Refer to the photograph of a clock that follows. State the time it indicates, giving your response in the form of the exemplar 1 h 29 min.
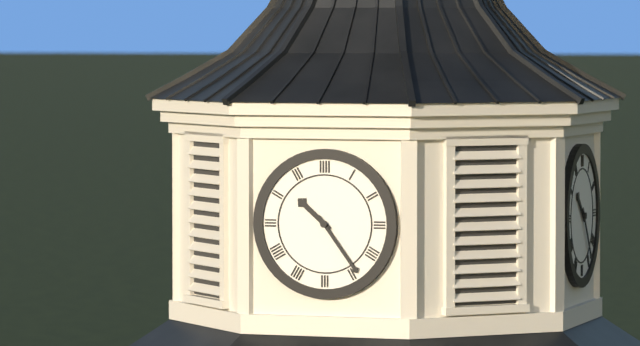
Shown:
10 h 24 min
